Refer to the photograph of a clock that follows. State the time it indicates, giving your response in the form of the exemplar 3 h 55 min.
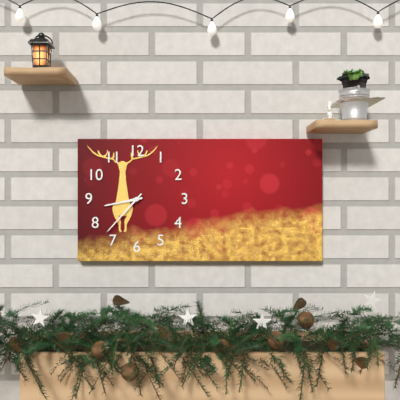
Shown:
8 h 37 min
